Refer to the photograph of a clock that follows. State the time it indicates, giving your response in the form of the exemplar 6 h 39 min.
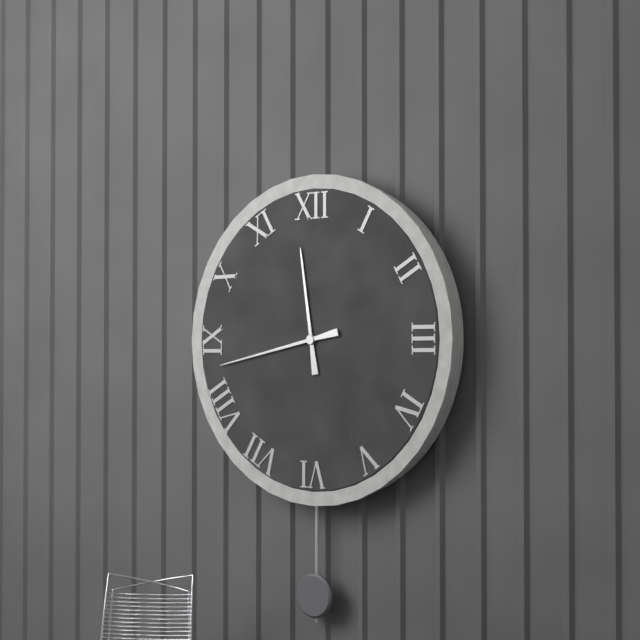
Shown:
11 h 43 min
